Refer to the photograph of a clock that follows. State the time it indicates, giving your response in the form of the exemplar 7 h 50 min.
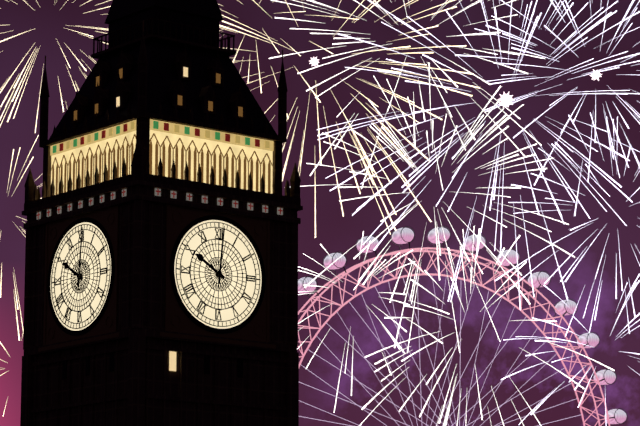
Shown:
10 h 01 min
